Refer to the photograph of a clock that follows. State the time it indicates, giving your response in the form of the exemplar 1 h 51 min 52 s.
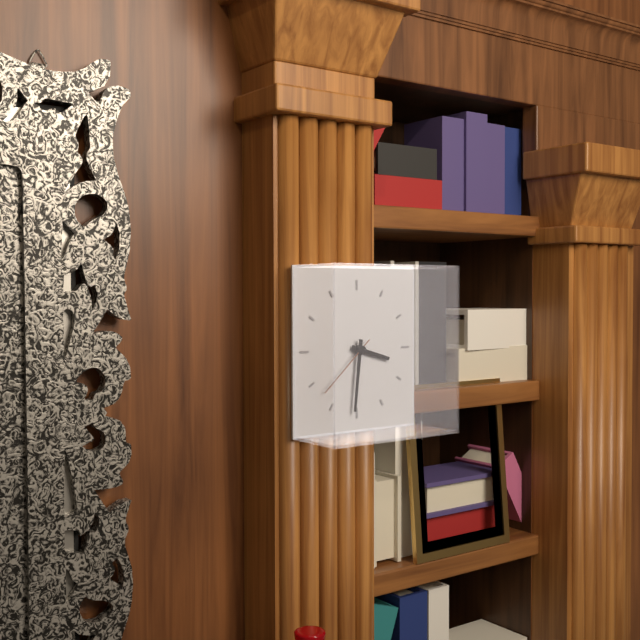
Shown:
3 h 31 min 38 s
